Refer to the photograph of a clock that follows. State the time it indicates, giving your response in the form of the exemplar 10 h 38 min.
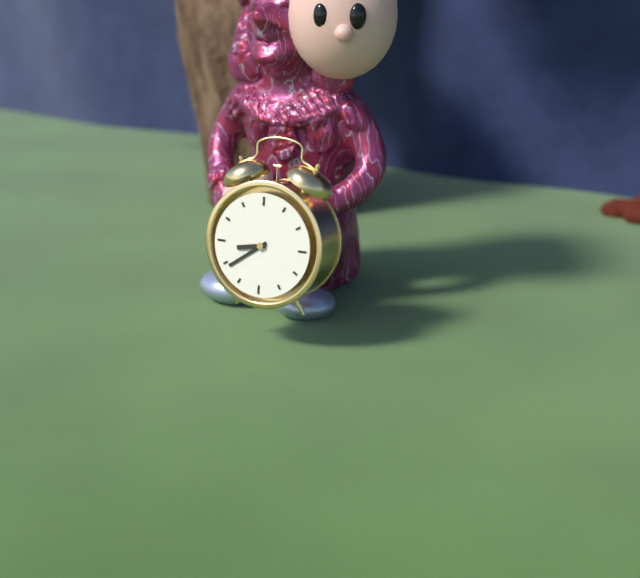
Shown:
8 h 39 min
